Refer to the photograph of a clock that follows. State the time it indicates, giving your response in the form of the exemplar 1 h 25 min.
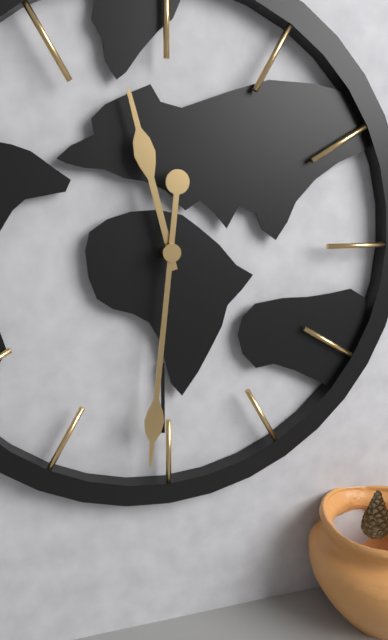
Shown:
11 h 31 min
